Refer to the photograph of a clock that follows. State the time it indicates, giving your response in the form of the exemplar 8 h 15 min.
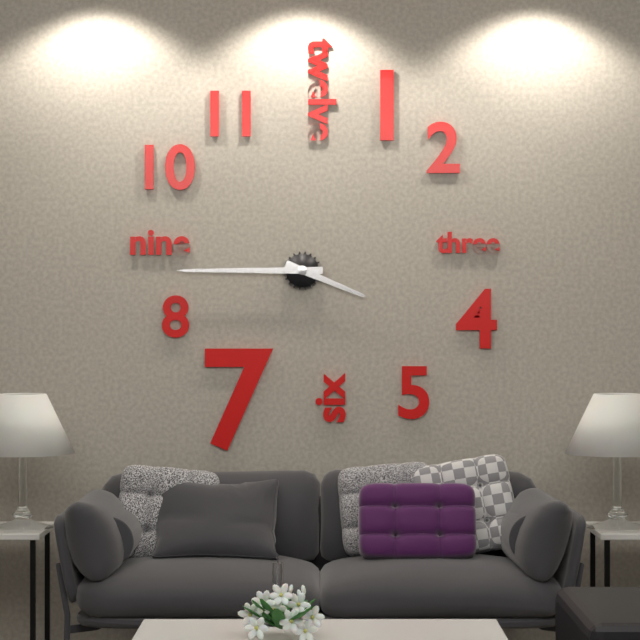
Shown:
3 h 45 min
